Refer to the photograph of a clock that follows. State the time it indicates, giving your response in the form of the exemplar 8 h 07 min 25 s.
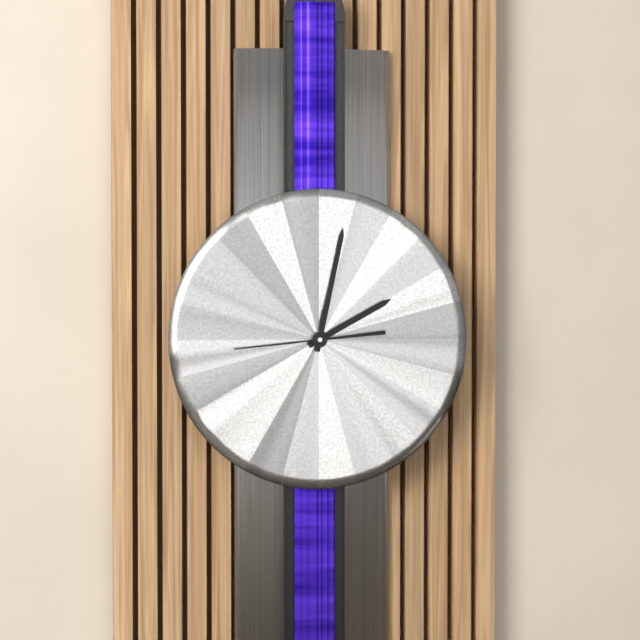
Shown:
2 h 02 min 44 s
